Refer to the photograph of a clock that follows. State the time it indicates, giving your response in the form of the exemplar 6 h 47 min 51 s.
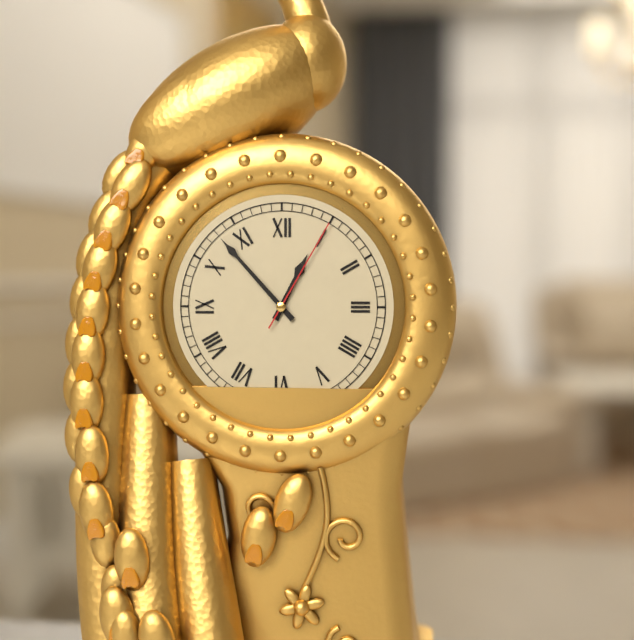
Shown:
12 h 53 min 05 s
